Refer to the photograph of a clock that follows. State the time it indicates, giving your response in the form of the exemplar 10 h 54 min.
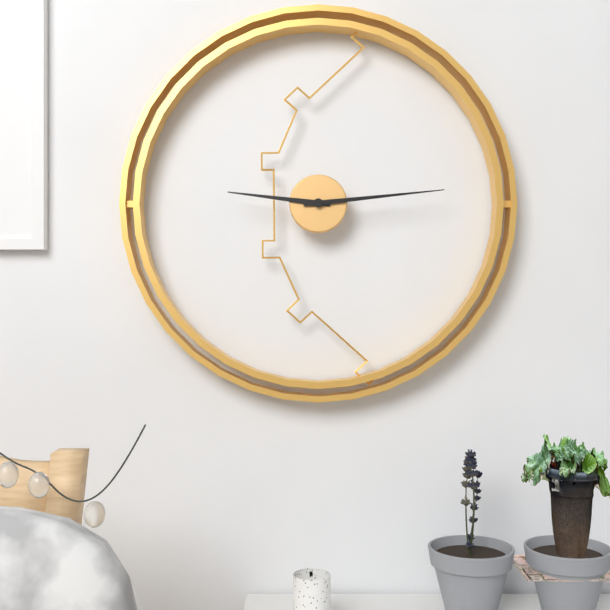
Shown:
9 h 14 min
